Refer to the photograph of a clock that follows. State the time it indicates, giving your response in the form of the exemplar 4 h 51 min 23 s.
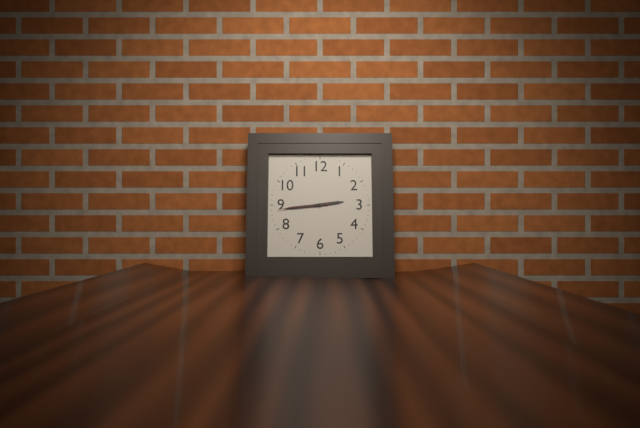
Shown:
2 h 44 min 44 s
